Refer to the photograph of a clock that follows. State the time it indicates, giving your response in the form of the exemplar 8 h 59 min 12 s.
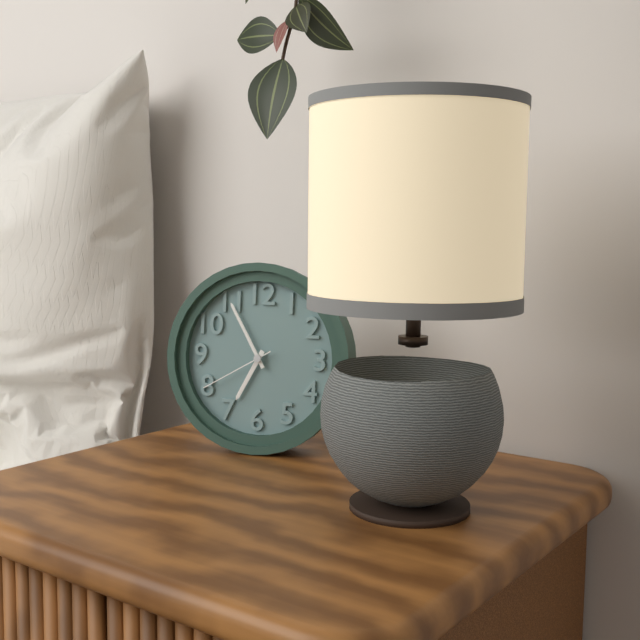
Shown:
6 h 55 min 40 s
